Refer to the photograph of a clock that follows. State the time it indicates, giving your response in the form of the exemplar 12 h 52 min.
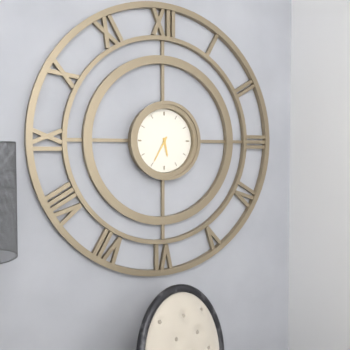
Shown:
5 h 35 min
